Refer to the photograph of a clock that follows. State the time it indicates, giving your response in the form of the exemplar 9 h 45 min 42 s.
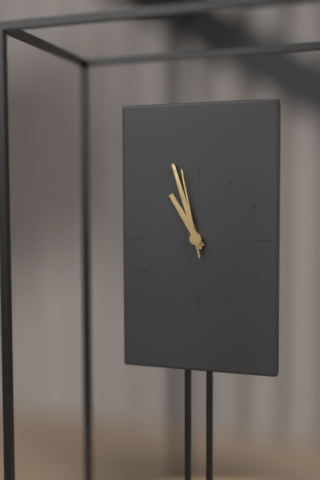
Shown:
10 h 57 min 58 s
